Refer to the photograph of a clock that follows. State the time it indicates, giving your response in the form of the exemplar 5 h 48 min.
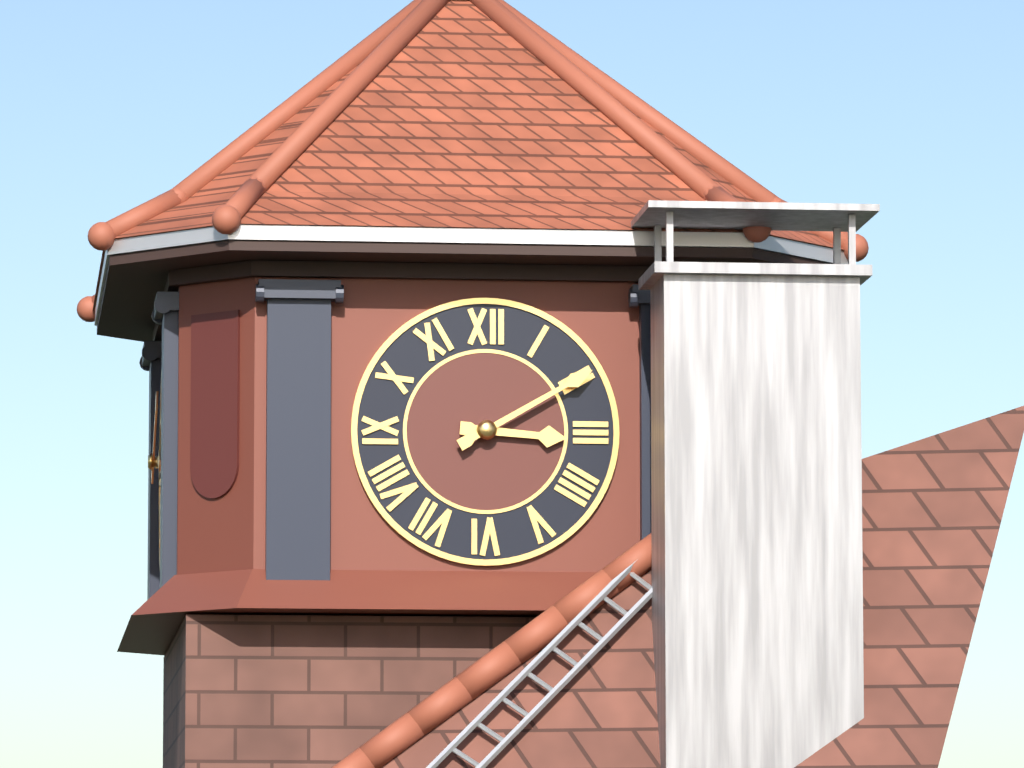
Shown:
3 h 10 min
